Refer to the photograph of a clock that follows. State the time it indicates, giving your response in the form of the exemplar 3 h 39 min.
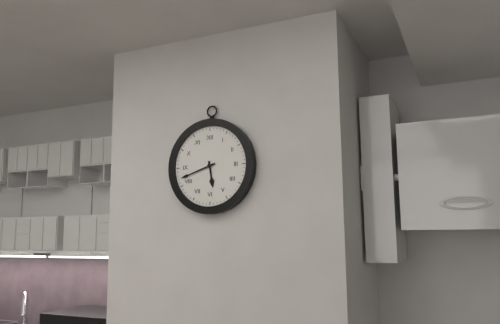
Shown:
5 h 42 min
